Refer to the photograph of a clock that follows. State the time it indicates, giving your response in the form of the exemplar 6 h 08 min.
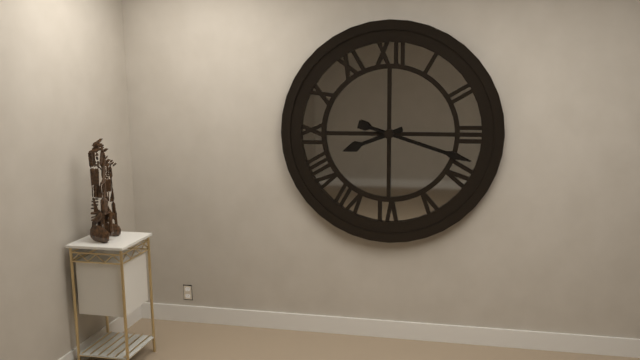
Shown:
8 h 18 min
